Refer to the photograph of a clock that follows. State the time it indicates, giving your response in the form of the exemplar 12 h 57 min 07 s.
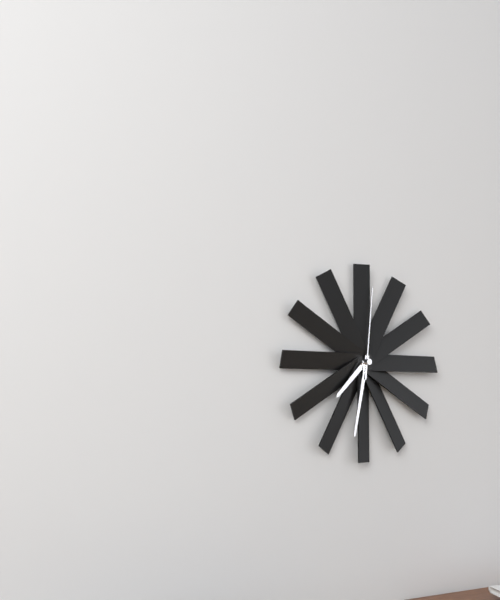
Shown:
7 h 32 min 01 s
